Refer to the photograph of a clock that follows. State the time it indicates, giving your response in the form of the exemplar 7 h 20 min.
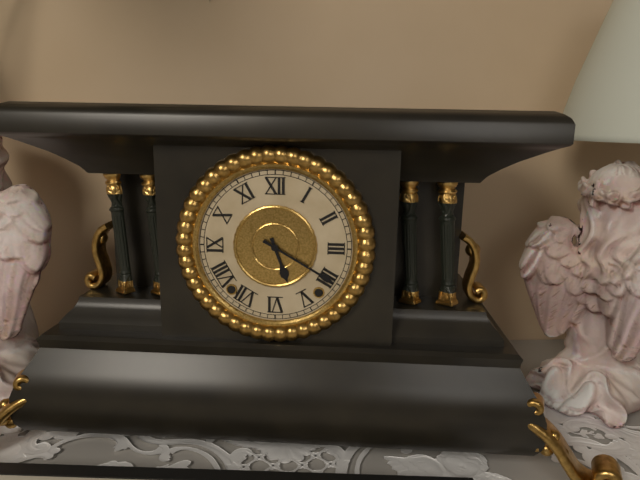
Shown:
5 h 20 min
